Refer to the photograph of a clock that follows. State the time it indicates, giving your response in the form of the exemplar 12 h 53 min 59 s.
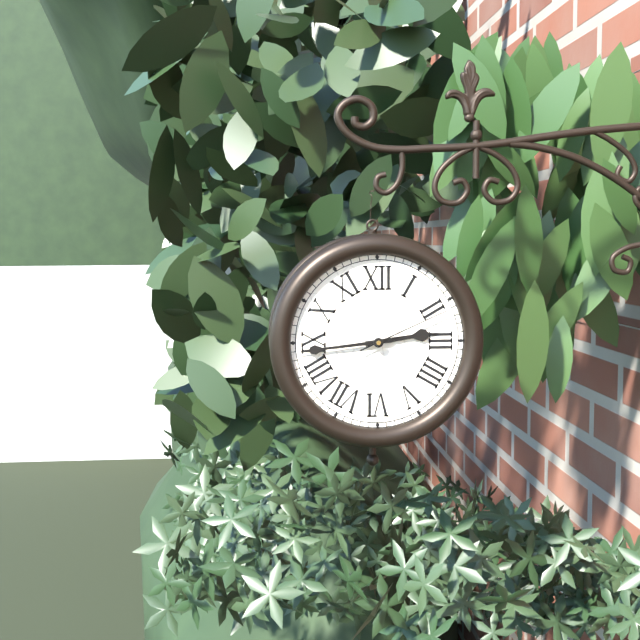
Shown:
2 h 44 min 11 s
